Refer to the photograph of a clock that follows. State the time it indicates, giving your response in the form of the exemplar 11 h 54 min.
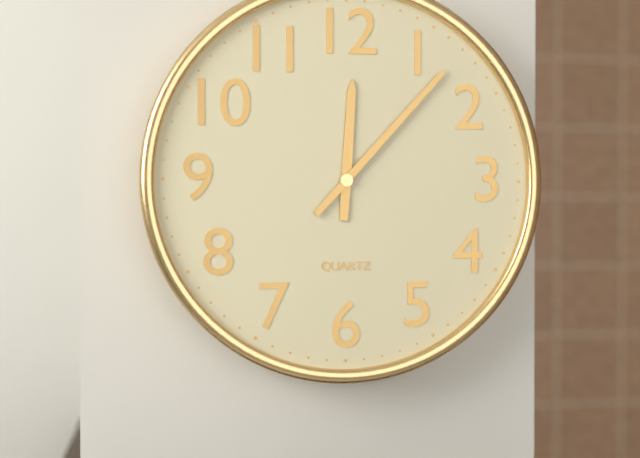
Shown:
12 h 07 min
